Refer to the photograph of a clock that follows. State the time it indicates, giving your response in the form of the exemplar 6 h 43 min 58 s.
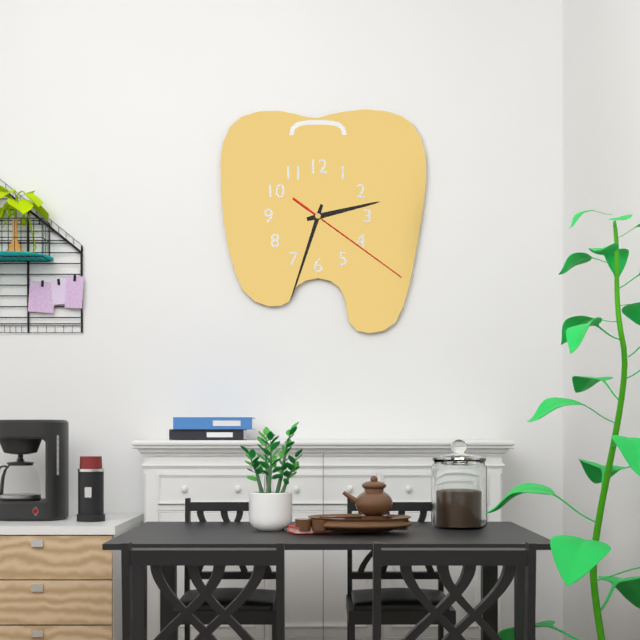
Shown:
2 h 33 min 21 s
